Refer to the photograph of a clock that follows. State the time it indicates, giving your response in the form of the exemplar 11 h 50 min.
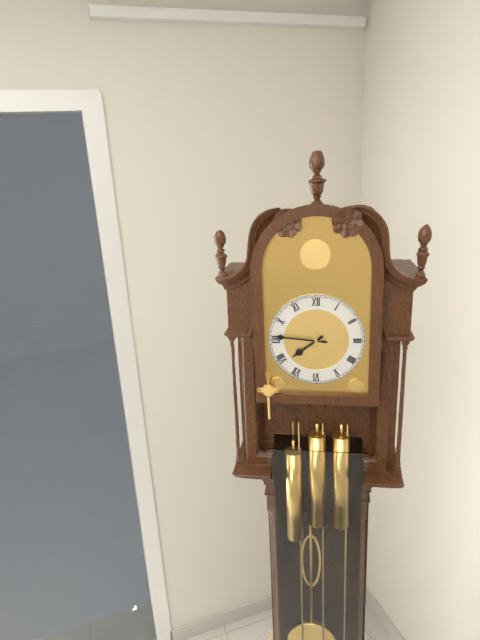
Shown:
7 h 46 min
